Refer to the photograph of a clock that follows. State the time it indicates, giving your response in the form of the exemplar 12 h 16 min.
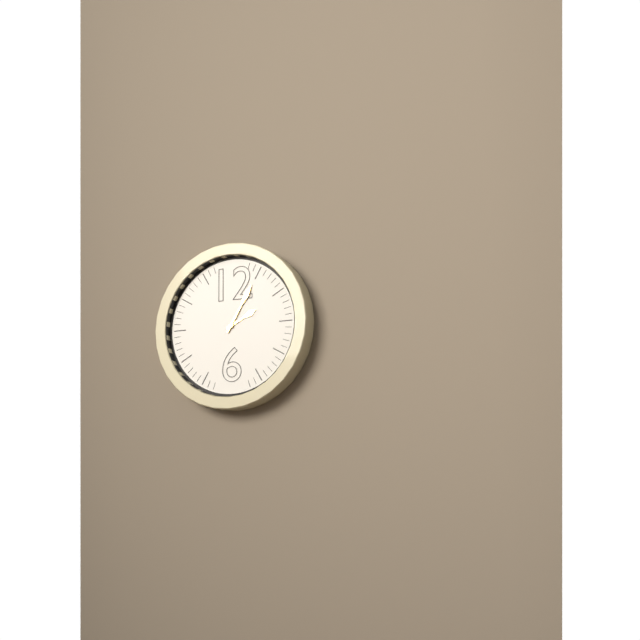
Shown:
2 h 05 min
